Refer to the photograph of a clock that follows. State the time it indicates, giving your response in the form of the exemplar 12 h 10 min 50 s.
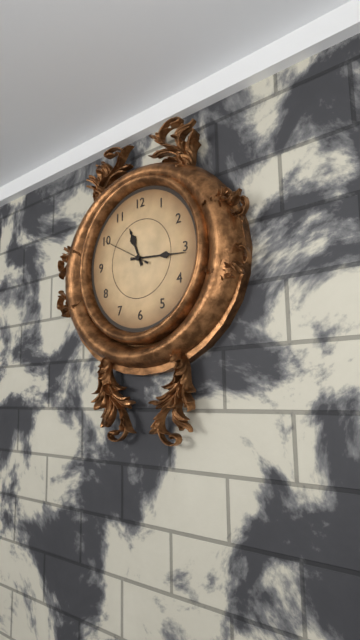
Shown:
11 h 16 min 50 s
